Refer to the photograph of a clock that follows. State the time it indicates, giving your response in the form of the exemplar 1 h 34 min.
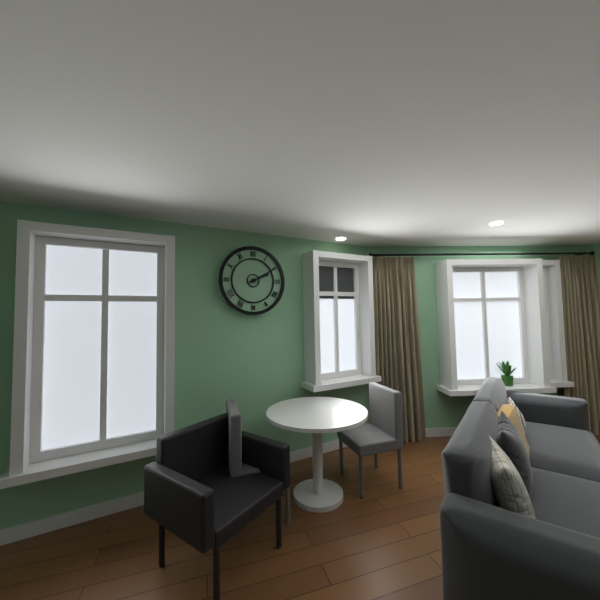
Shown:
2 h 10 min
